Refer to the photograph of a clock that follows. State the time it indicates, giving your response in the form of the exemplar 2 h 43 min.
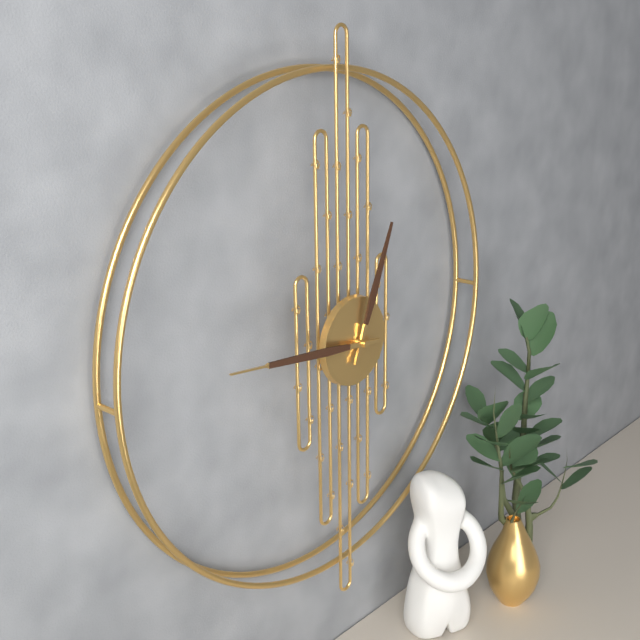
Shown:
12 h 46 min
